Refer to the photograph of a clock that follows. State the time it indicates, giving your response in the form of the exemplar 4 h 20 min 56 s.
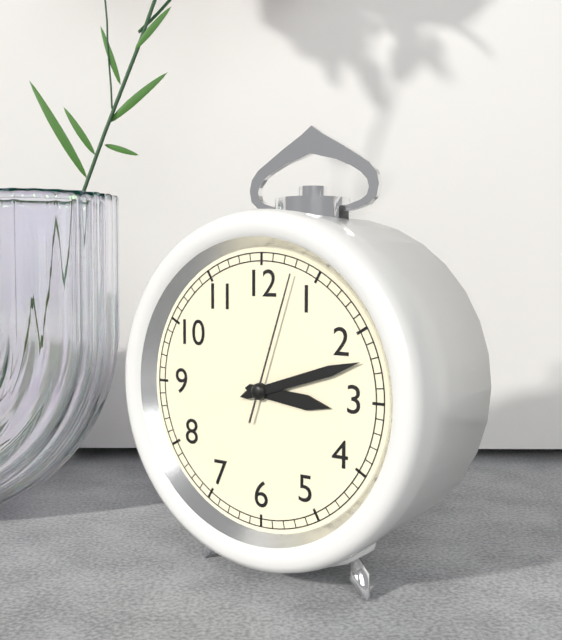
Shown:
3 h 12 min 03 s
